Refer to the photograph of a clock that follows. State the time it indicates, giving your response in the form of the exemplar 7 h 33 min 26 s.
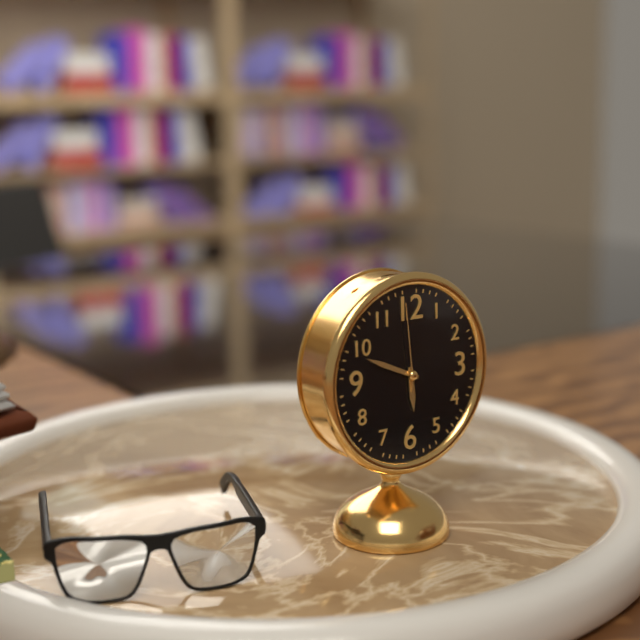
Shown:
5 h 49 min 59 s
